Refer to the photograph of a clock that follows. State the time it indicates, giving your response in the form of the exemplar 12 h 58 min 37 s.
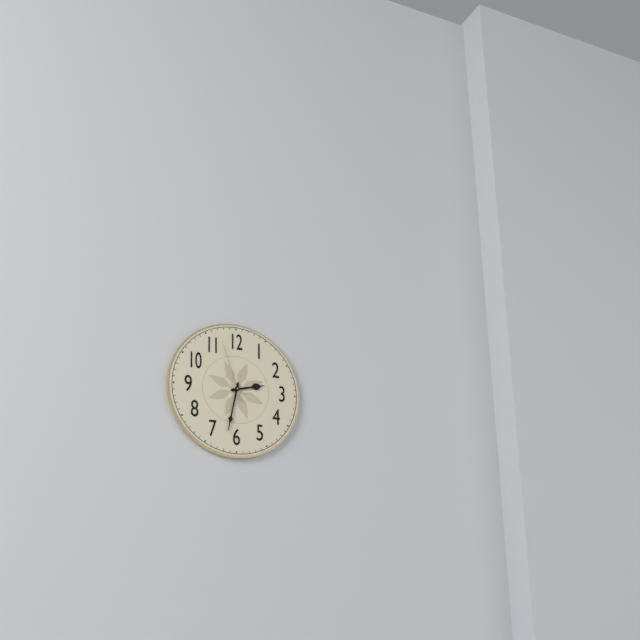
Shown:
2 h 32 min 57 s
